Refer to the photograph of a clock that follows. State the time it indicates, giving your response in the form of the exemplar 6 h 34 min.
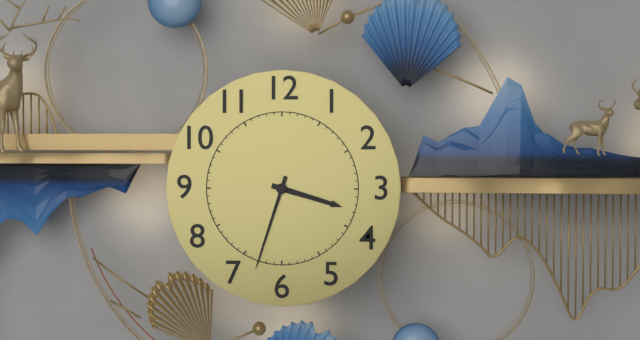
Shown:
3 h 33 min
